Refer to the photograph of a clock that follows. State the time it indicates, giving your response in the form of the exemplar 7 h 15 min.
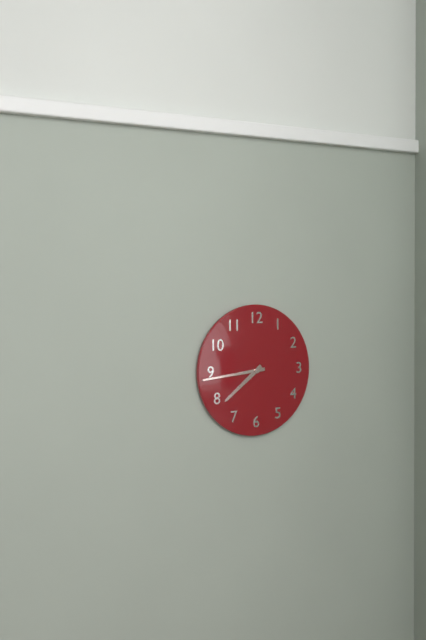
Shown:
7 h 44 min
